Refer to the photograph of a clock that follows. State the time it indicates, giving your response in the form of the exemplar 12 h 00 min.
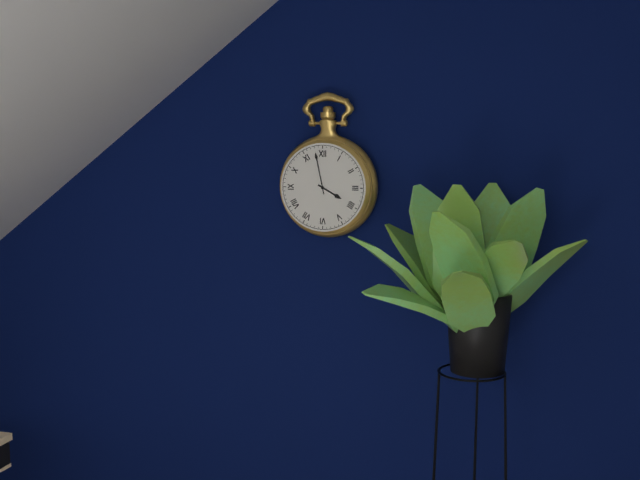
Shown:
3 h 58 min
